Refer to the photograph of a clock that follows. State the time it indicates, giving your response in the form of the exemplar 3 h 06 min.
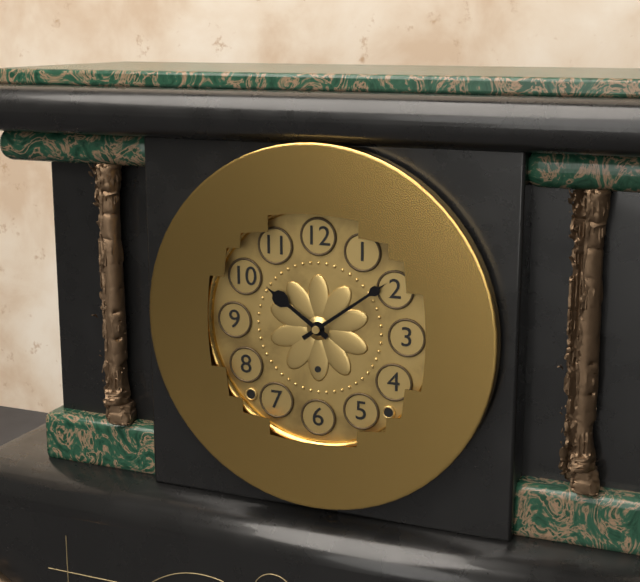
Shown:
10 h 09 min
